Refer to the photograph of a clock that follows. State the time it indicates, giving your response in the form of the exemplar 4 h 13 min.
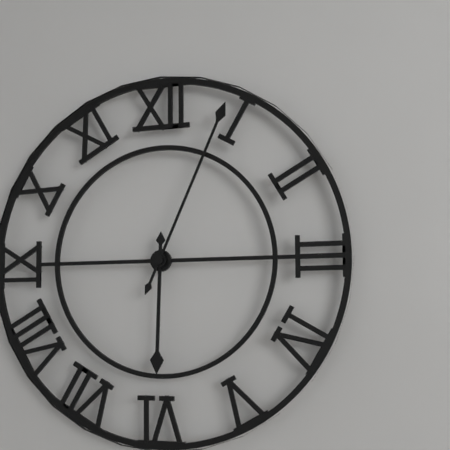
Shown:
6 h 04 min
